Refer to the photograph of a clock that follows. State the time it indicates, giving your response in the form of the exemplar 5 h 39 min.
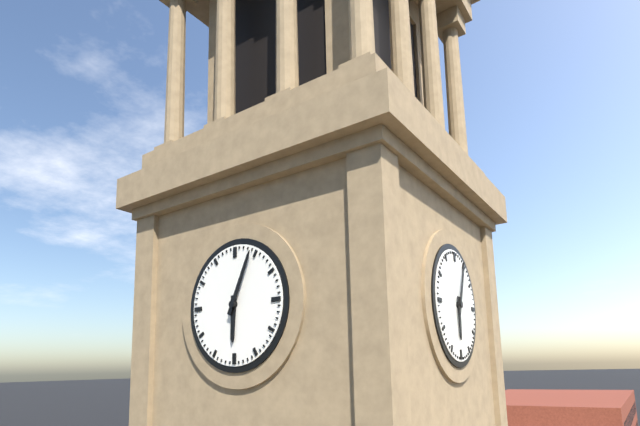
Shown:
6 h 04 min
